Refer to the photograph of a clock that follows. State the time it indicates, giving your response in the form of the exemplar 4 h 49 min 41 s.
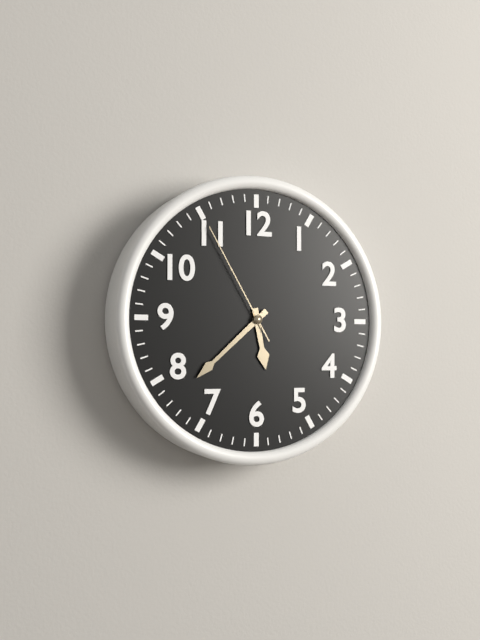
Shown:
5 h 38 min 55 s
